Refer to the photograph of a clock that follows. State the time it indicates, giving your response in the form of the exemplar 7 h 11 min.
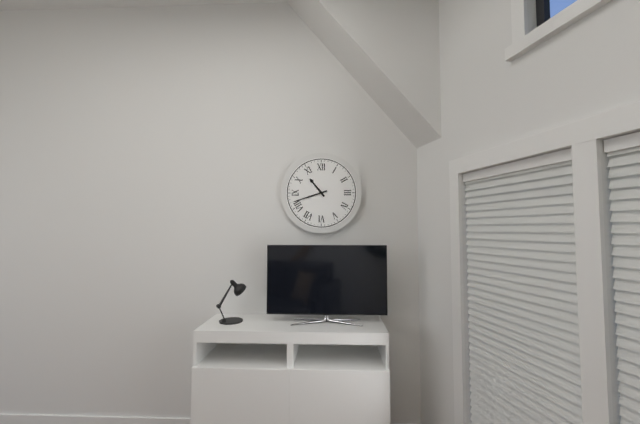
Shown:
10 h 42 min
